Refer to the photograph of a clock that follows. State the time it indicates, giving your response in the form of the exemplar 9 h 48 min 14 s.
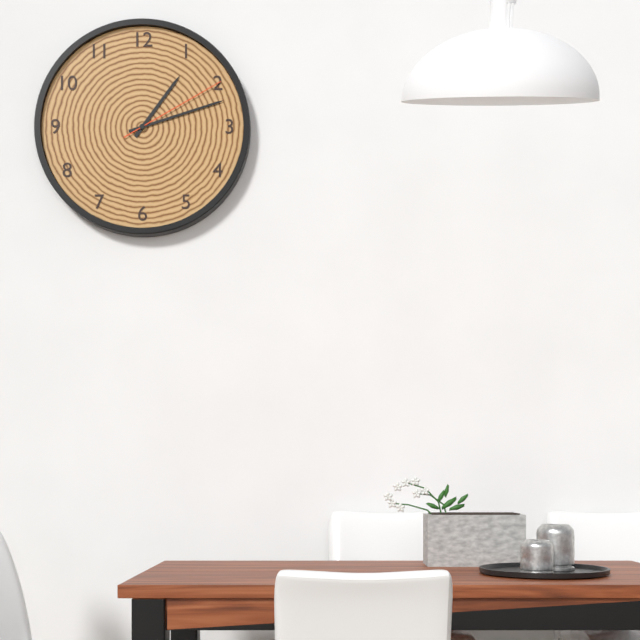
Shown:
1 h 12 min 10 s
